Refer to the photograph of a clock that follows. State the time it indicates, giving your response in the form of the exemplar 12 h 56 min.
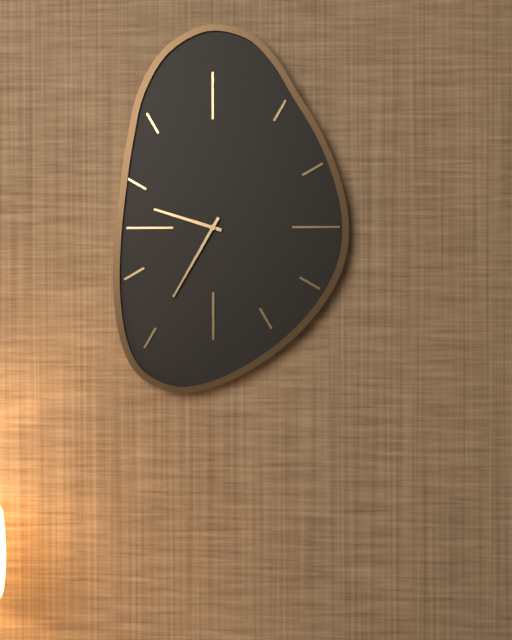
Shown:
9 h 35 min
